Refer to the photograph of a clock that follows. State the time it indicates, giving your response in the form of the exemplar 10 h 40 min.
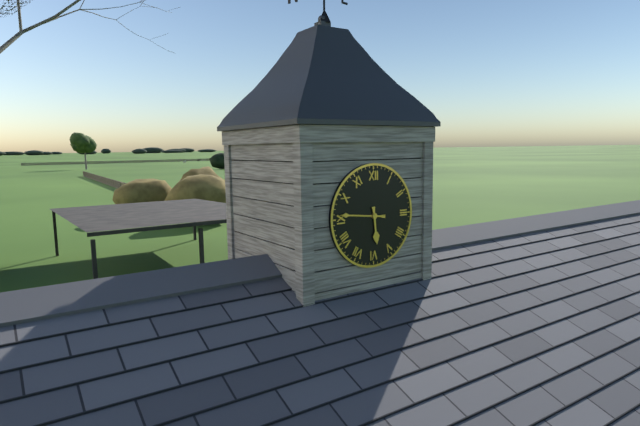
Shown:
5 h 46 min
